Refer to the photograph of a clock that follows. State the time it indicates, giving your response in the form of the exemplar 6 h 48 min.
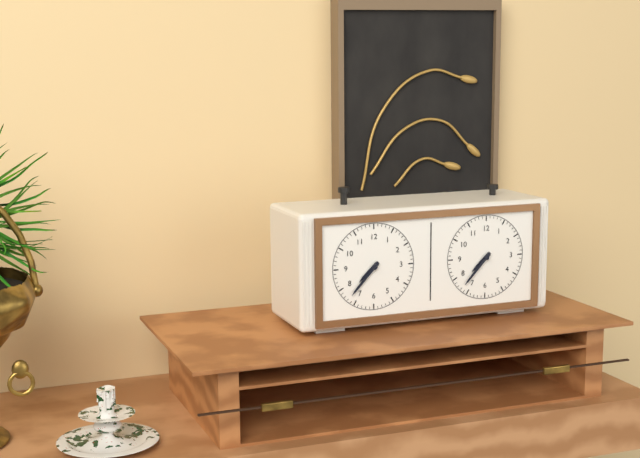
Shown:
7 h 37 min
